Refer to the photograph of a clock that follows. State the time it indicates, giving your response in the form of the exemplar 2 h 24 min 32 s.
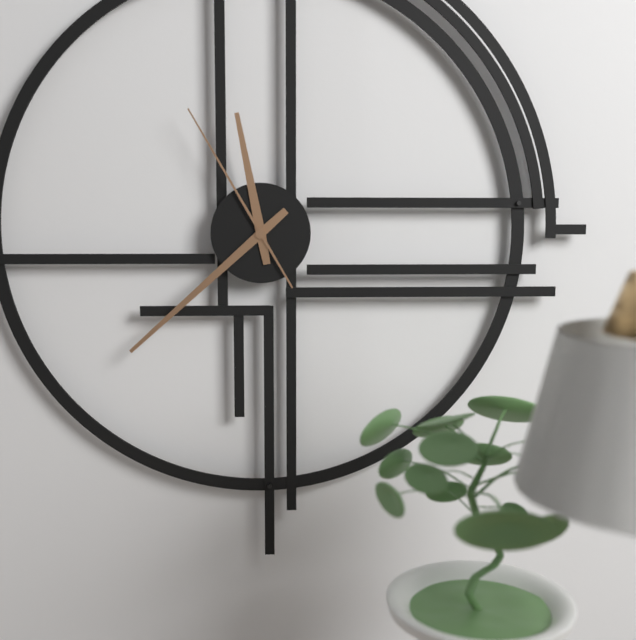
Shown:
11 h 38 min 55 s
